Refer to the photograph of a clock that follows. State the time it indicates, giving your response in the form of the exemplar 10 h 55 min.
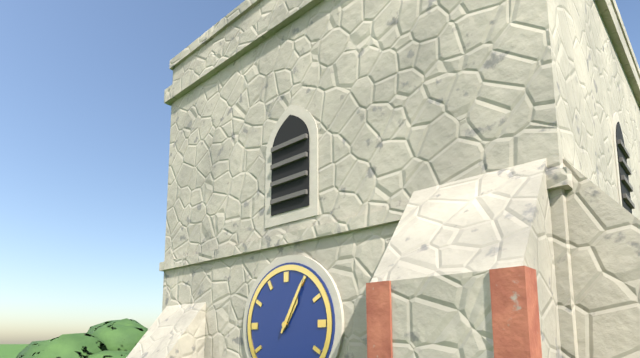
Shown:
1 h 05 min
